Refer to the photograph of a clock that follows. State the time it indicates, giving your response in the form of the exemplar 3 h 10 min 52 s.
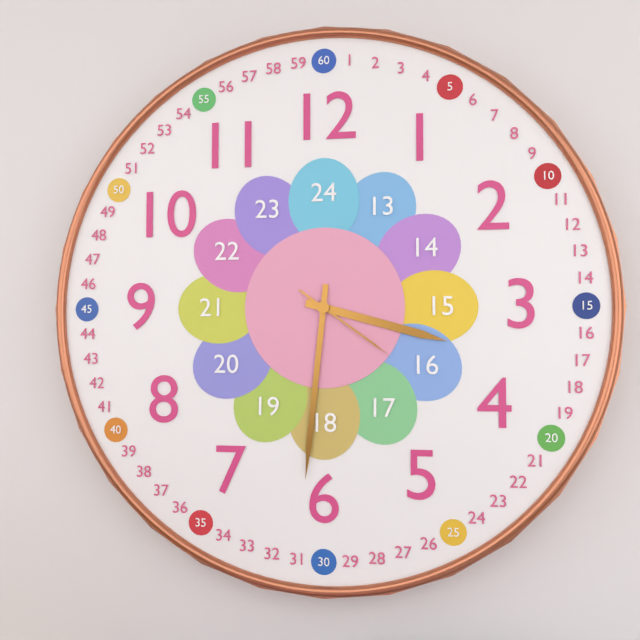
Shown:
3 h 31 min 21 s
